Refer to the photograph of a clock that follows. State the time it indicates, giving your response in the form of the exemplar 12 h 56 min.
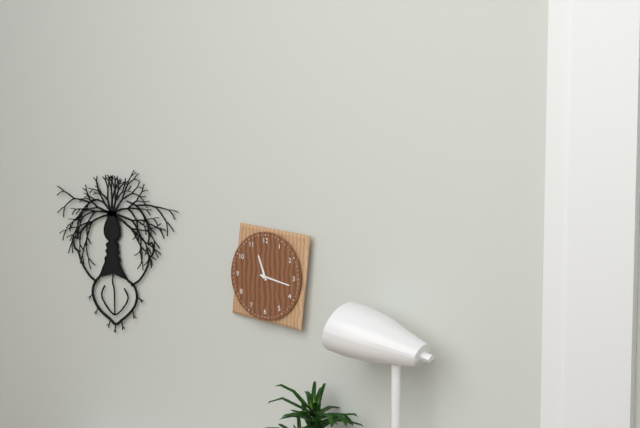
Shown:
11 h 17 min
